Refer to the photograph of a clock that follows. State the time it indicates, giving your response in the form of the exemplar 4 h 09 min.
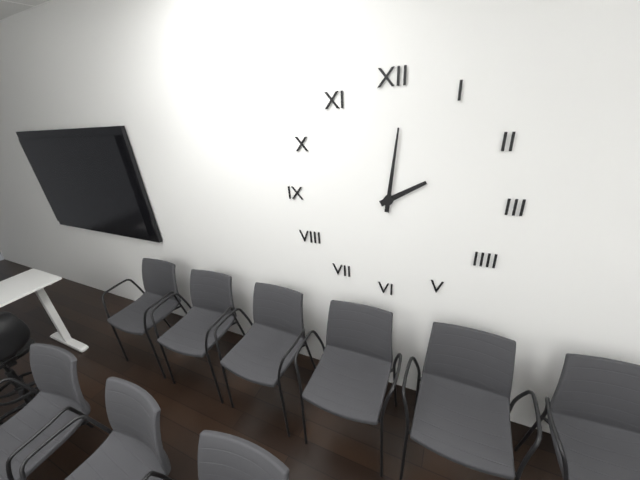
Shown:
2 h 01 min
